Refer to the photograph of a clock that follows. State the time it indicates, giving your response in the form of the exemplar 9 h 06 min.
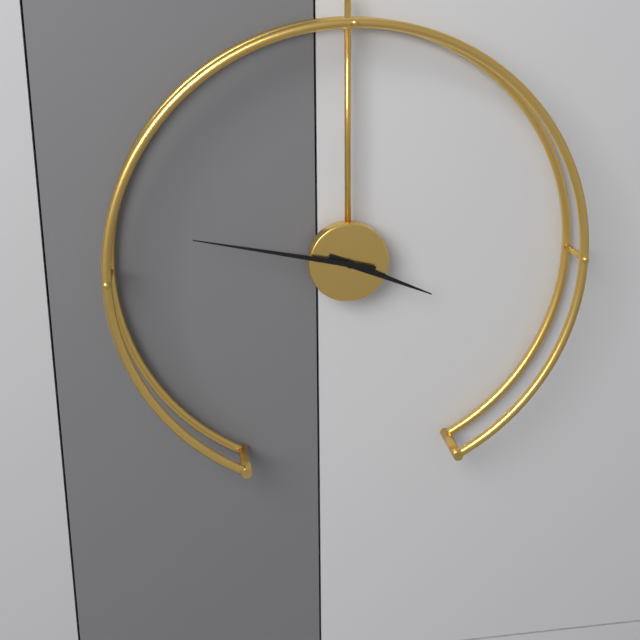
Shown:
3 h 47 min
